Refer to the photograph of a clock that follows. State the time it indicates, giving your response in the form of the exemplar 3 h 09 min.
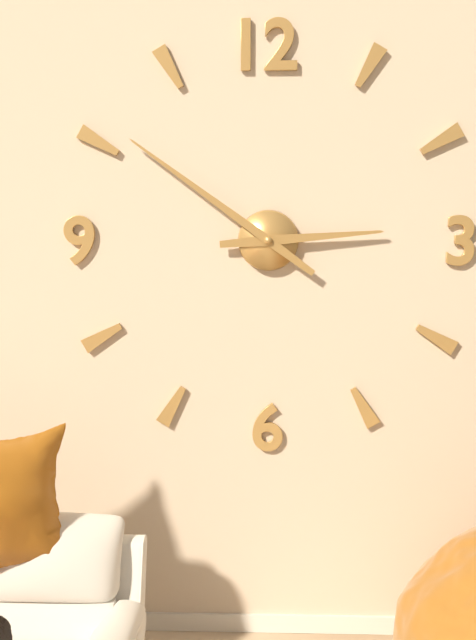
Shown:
2 h 51 min
